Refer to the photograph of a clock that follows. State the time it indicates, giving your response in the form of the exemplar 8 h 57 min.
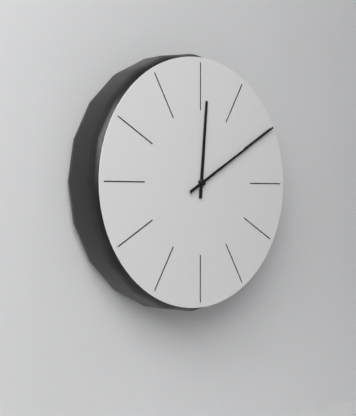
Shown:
12 h 10 min
